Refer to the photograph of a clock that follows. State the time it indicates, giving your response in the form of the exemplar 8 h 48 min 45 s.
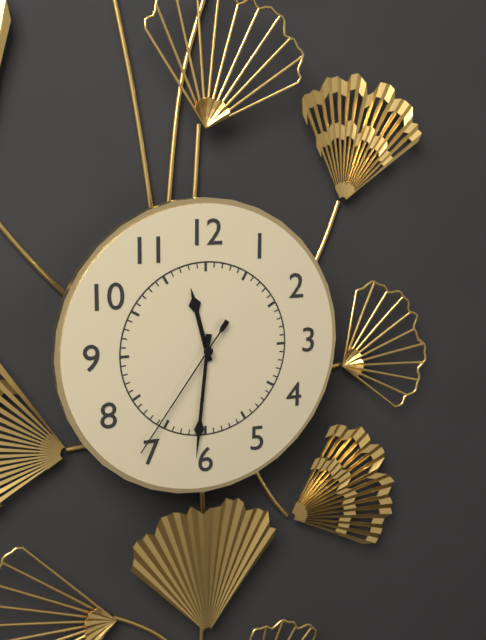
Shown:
11 h 31 min 36 s
